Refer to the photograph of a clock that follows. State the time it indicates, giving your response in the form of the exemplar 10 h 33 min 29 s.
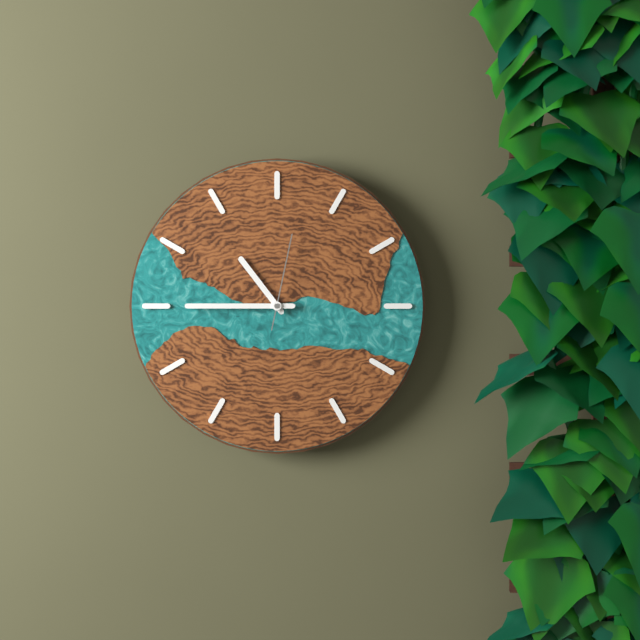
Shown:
10 h 45 min 02 s
